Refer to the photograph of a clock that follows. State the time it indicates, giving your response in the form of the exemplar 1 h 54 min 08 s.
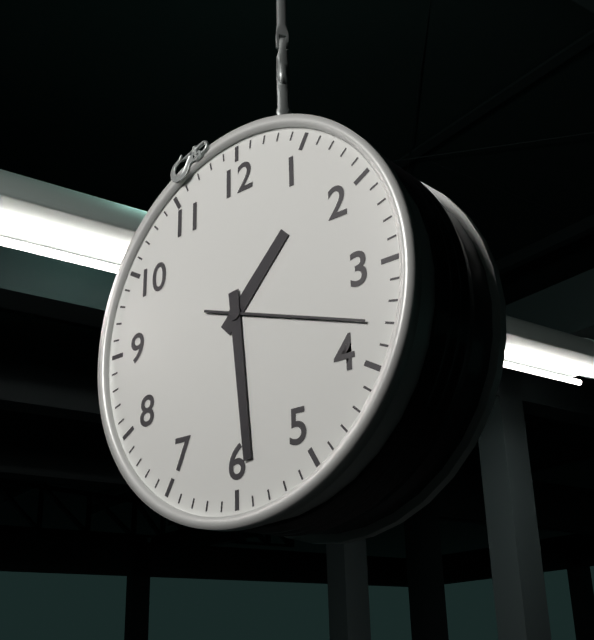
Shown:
1 h 29 min 18 s
